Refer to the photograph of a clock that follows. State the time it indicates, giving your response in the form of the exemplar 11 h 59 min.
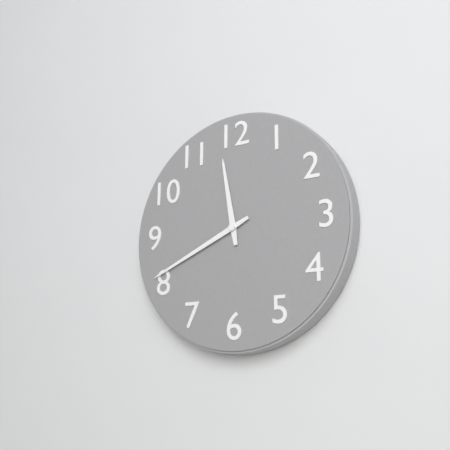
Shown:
11 h 41 min
